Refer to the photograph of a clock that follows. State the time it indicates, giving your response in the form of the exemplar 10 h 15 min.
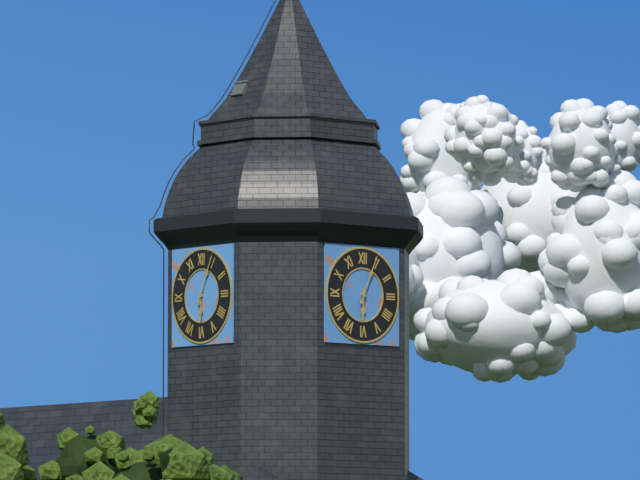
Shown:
6 h 04 min
